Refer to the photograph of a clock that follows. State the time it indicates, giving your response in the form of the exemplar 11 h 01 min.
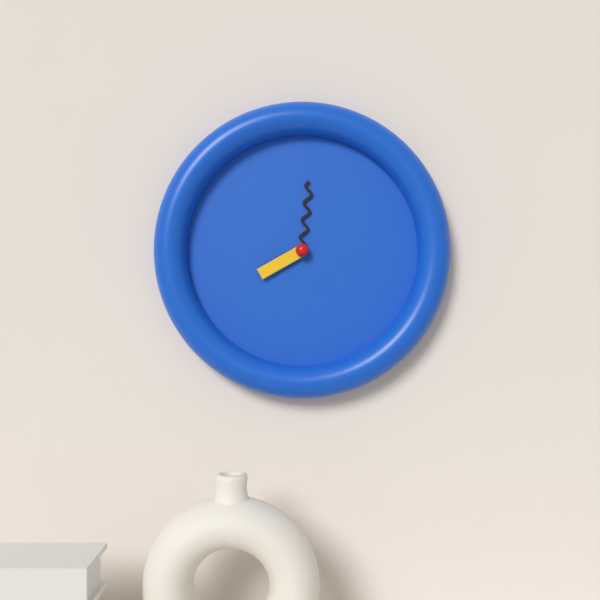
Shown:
8 h 01 min
